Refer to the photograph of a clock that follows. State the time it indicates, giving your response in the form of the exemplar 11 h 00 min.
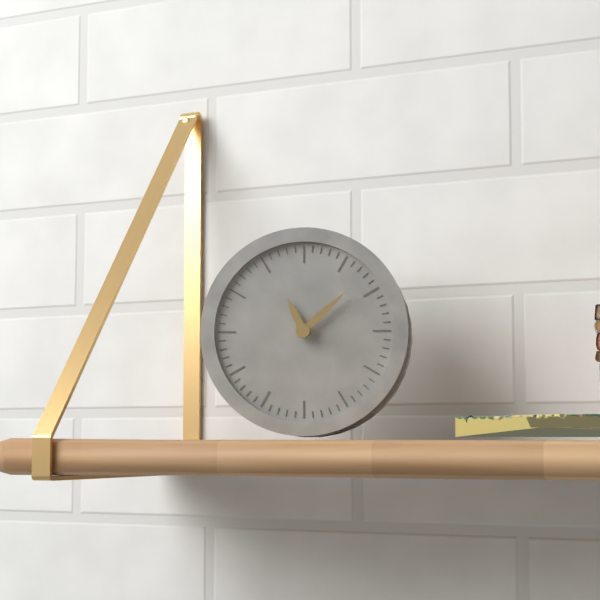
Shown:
11 h 08 min
